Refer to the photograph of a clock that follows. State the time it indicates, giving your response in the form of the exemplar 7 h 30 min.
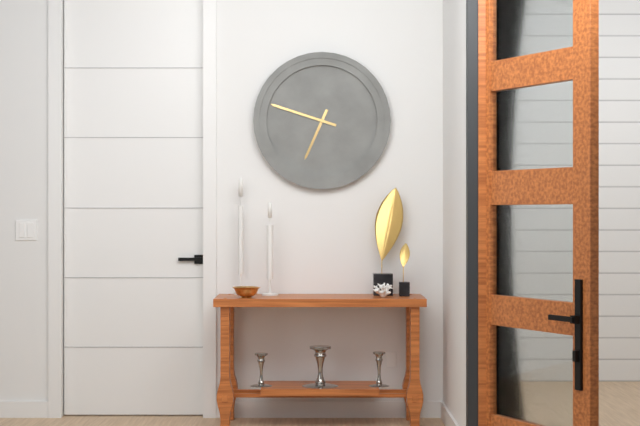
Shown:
6 h 48 min
